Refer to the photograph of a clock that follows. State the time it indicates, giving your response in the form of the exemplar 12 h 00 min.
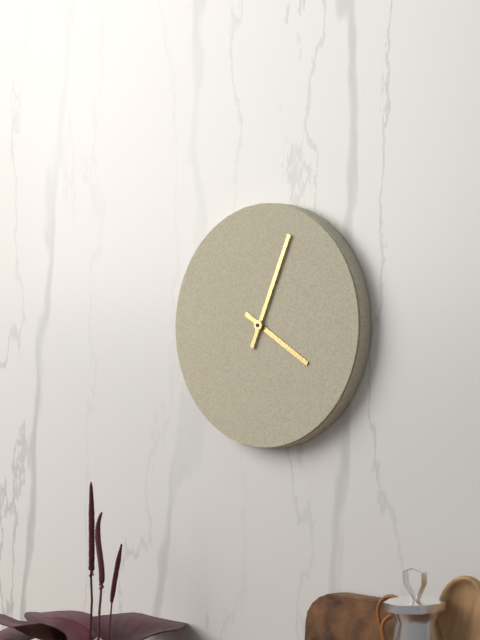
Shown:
4 h 04 min
